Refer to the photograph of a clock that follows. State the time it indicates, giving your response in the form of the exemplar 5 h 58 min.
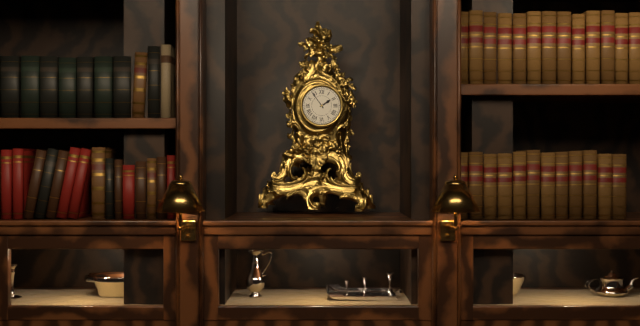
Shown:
1 h 54 min
